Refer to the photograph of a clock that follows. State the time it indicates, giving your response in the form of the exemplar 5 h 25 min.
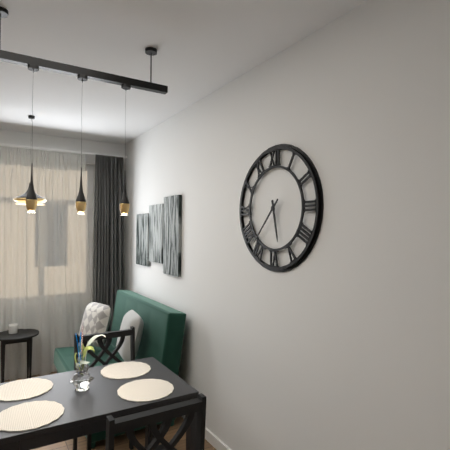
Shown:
5 h 37 min
